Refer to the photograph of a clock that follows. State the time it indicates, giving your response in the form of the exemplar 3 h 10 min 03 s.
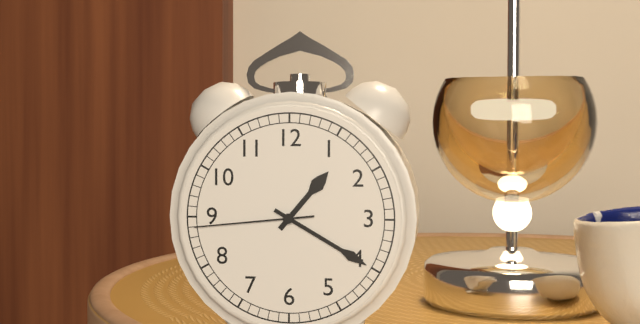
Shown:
1 h 20 min 44 s
